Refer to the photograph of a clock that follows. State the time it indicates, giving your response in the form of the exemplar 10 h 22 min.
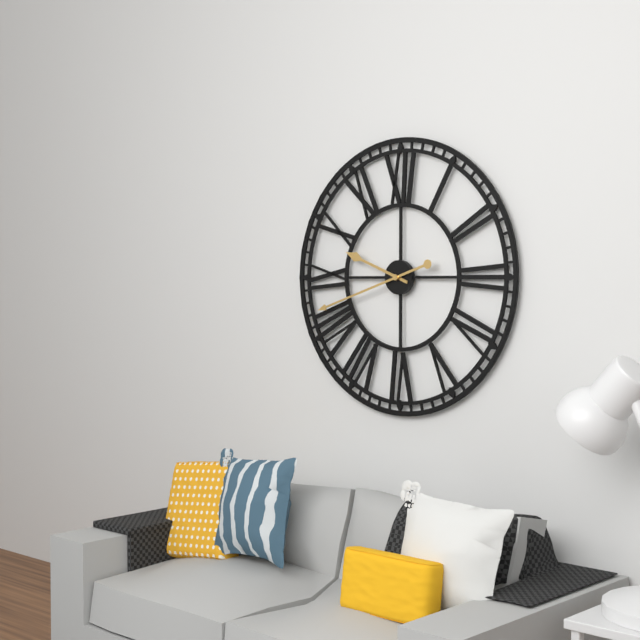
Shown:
9 h 42 min
